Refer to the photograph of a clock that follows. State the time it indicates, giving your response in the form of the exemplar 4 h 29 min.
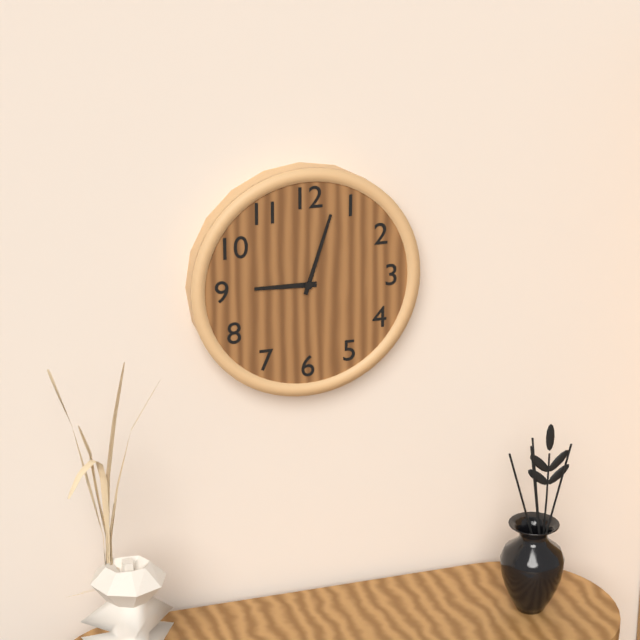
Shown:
9 h 03 min
